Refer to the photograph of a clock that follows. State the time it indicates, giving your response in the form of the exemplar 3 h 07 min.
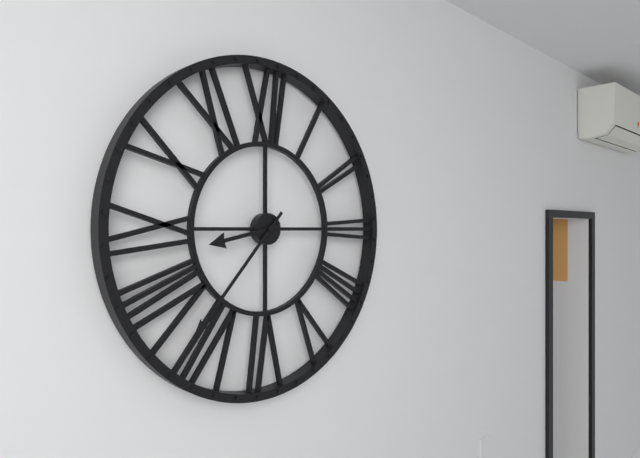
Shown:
8 h 37 min
